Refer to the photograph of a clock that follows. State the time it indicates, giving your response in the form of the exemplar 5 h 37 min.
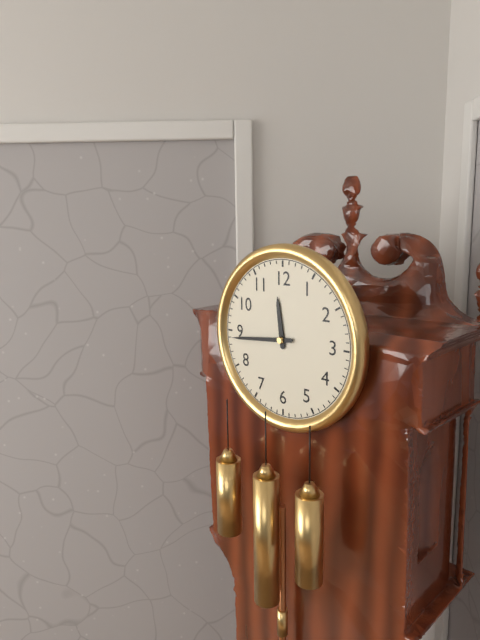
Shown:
11 h 44 min
